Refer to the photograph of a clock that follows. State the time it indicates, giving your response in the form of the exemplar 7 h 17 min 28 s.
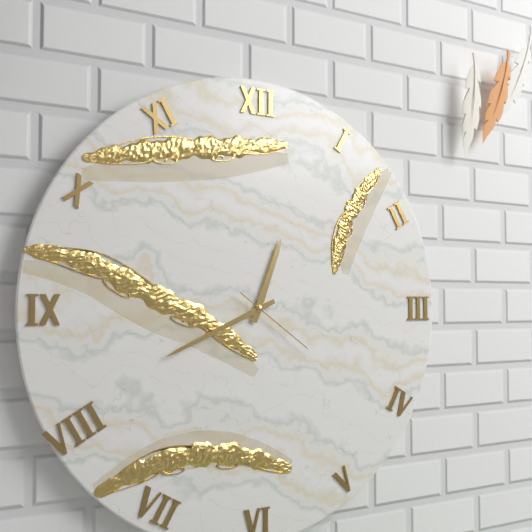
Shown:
12 h 41 min 21 s
